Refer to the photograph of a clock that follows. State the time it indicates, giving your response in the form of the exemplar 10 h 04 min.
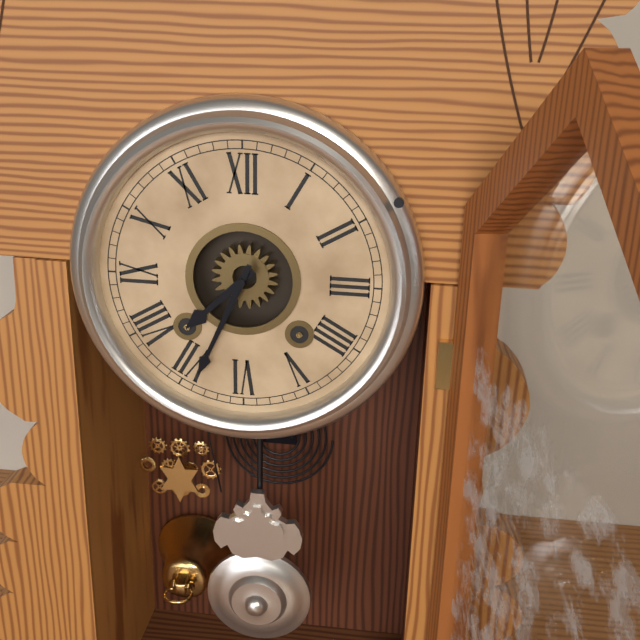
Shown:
7 h 34 min
